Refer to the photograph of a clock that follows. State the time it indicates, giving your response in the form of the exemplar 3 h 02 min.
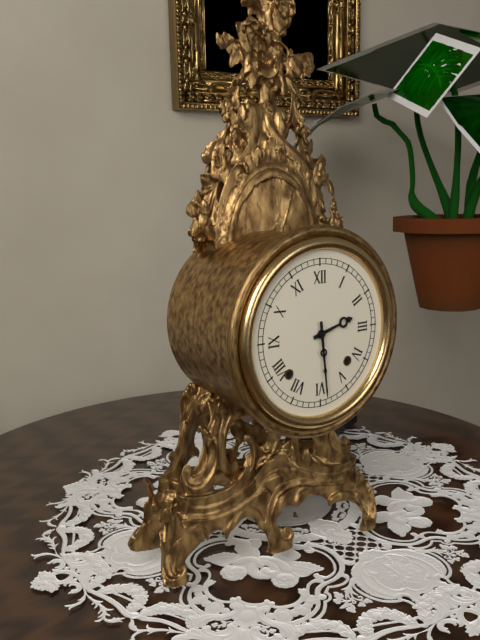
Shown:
2 h 29 min
